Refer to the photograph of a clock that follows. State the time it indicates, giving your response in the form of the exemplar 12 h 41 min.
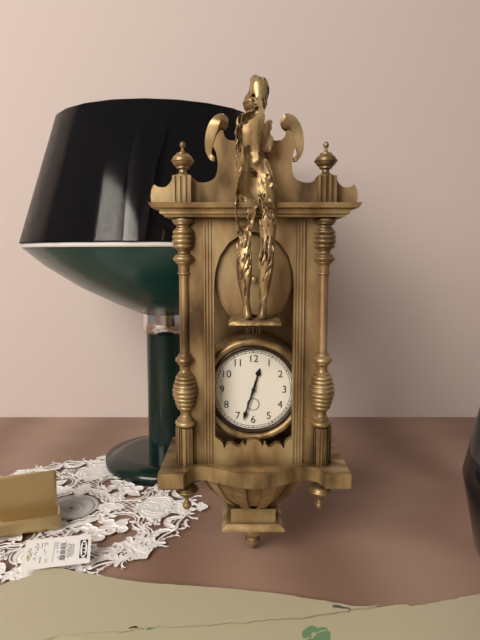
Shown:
12 h 33 min
